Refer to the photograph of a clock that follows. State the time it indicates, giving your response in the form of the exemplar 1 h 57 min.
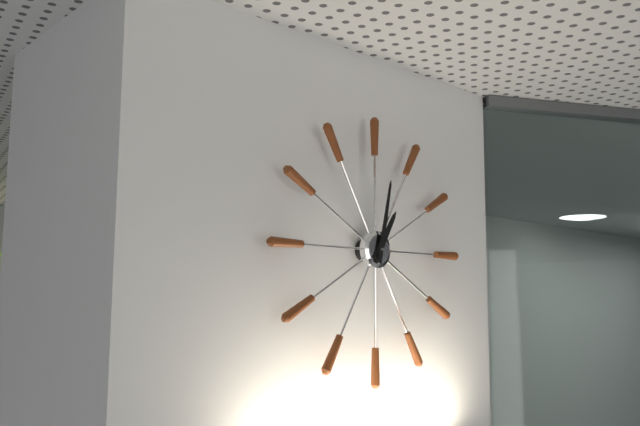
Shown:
1 h 02 min
